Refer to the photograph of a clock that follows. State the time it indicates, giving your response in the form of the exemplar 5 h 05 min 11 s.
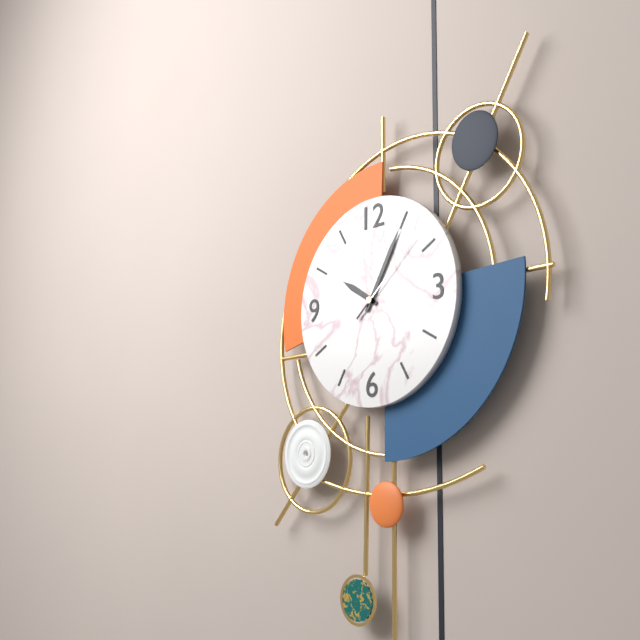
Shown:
10 h 05 min 08 s
